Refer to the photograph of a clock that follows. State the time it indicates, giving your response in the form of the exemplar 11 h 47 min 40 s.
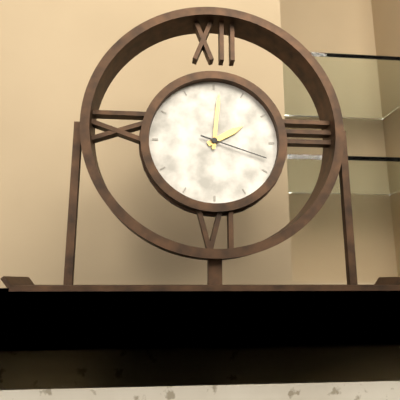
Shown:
2 h 01 min 18 s
